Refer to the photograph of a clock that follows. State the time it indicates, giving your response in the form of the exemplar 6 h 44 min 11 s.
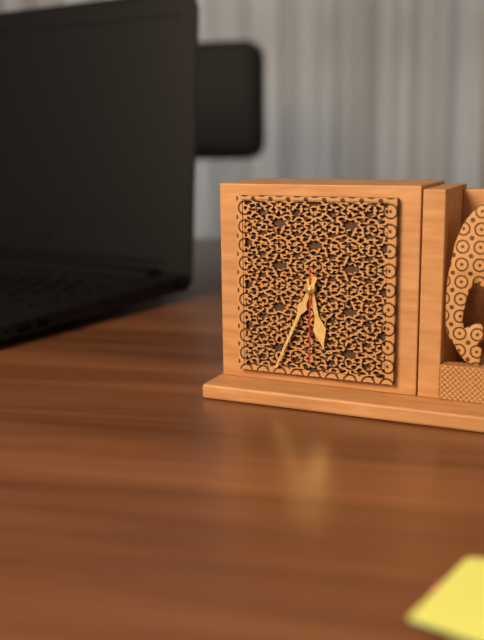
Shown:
5 h 34 min 30 s
